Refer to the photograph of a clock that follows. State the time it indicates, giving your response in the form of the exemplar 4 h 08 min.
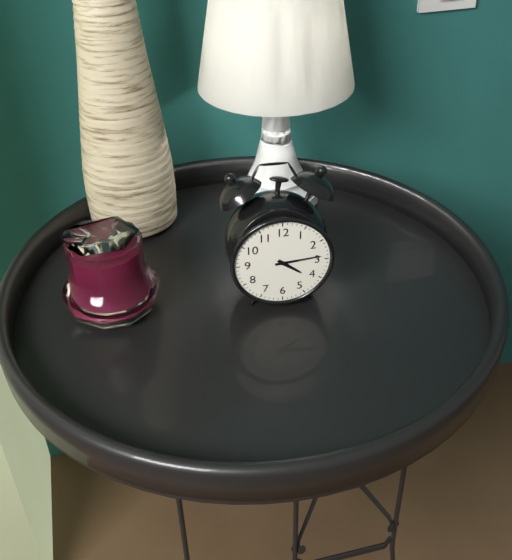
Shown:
4 h 14 min
